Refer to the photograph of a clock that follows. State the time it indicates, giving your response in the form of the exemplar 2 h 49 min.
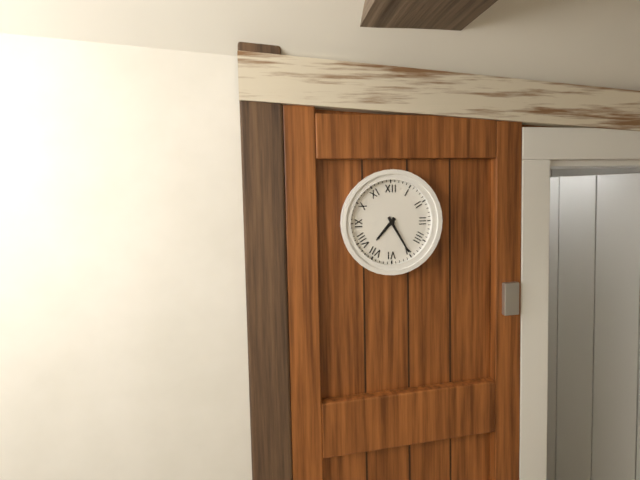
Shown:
7 h 25 min
